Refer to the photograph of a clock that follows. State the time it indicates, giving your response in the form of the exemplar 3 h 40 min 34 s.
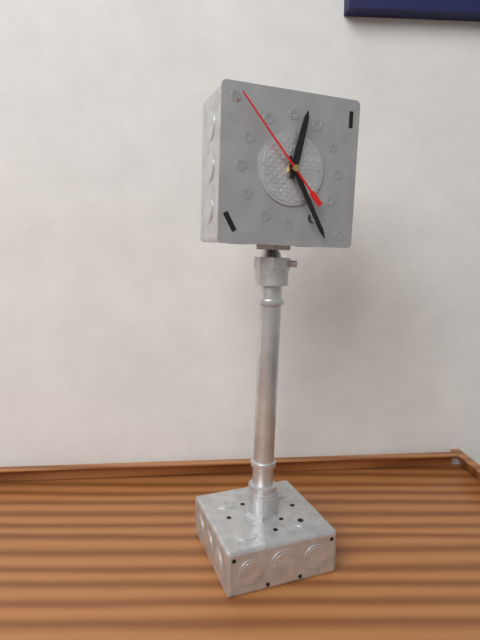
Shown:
12 h 25 min 53 s
